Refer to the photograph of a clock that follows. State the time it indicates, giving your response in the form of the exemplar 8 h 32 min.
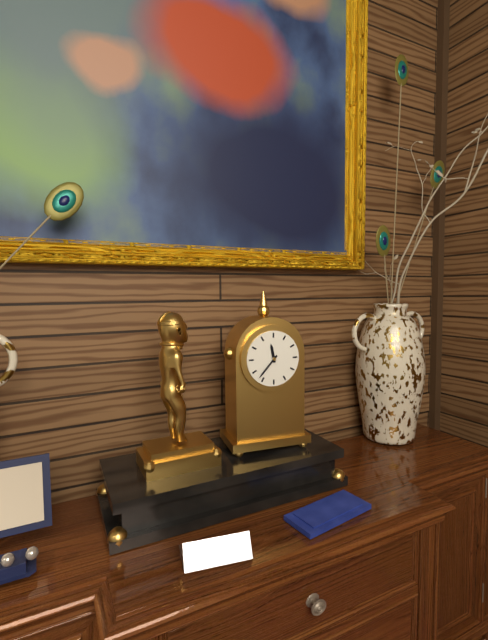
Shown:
11 h 37 min
